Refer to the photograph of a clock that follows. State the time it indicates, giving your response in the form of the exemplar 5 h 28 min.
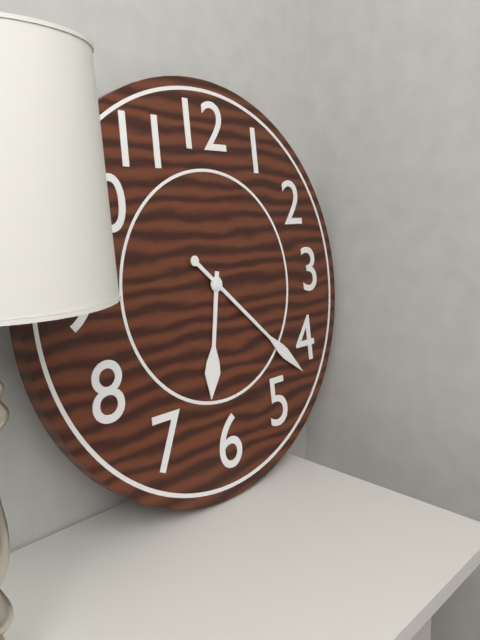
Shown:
6 h 22 min
